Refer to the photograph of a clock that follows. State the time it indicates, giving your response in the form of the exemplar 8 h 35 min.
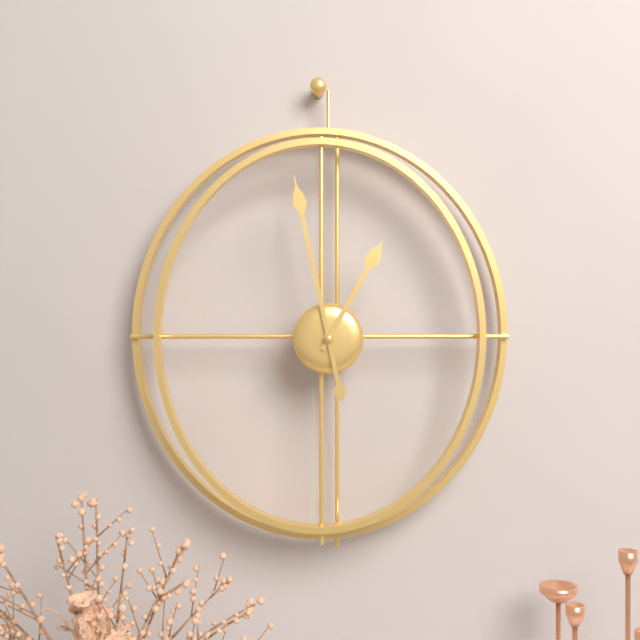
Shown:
12 h 58 min
